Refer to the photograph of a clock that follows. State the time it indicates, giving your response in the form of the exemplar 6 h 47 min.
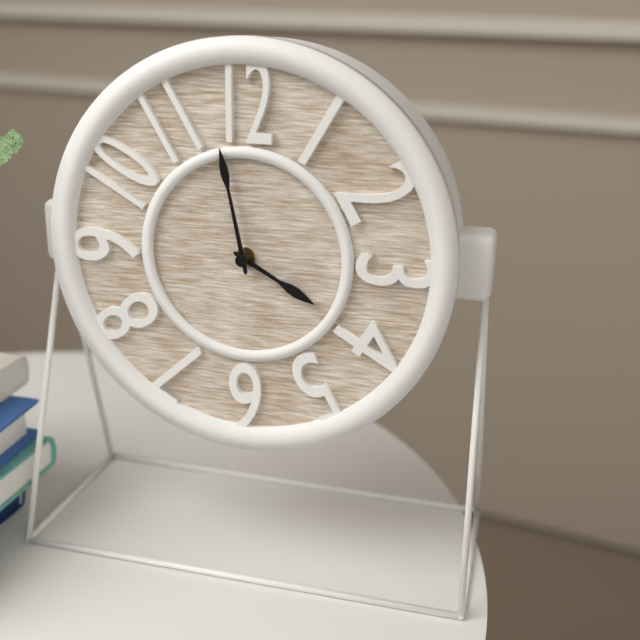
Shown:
3 h 58 min
